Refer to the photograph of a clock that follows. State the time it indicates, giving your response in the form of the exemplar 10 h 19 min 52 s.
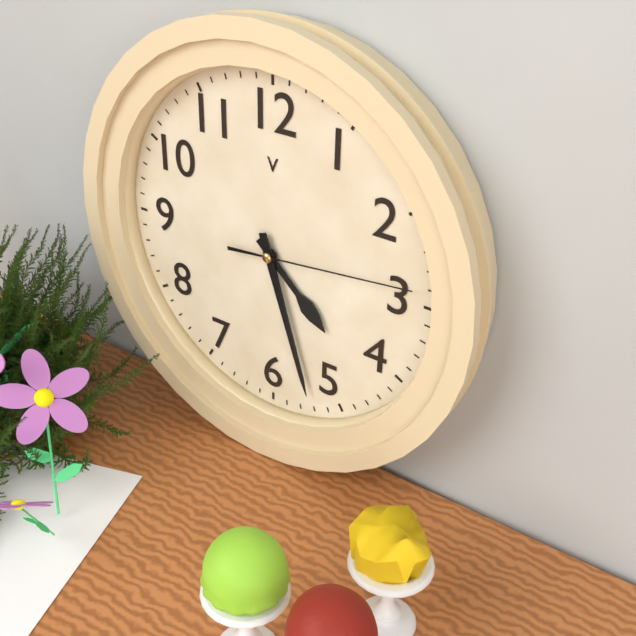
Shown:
4 h 27 min 14 s
